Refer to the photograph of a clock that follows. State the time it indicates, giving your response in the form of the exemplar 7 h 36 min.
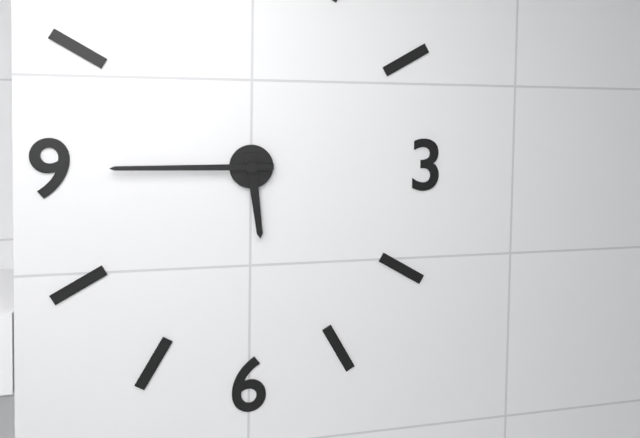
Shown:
5 h 45 min
